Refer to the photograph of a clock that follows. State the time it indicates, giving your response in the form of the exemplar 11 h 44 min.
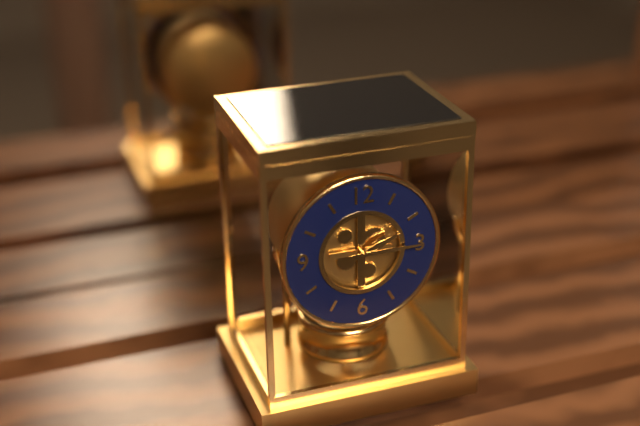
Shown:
2 h 15 min
